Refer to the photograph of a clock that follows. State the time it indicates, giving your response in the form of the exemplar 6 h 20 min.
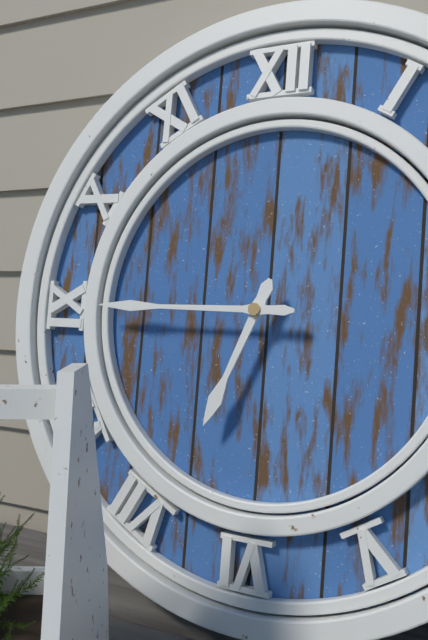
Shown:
6 h 45 min
